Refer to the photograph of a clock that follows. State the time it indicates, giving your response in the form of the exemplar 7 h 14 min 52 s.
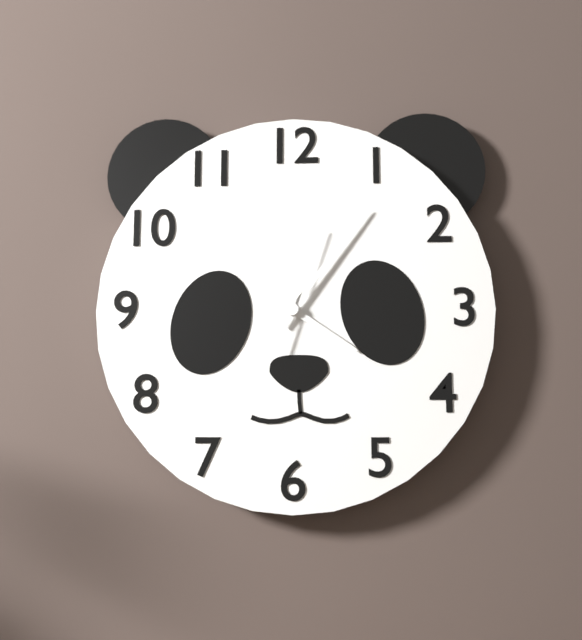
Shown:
4 h 06 min 03 s
